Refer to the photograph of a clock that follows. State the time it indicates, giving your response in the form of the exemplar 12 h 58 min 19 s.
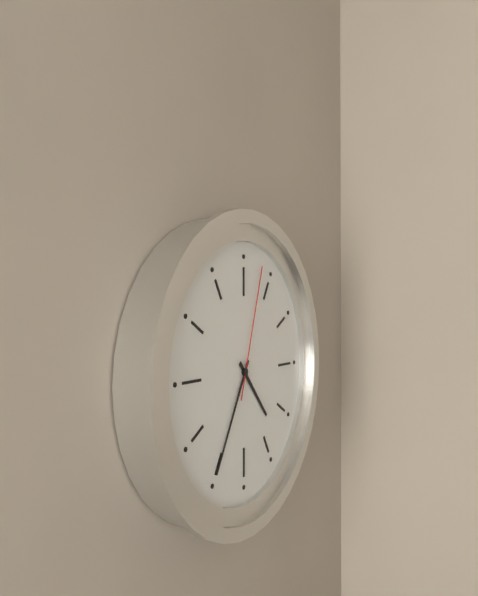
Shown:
4 h 35 min 03 s
